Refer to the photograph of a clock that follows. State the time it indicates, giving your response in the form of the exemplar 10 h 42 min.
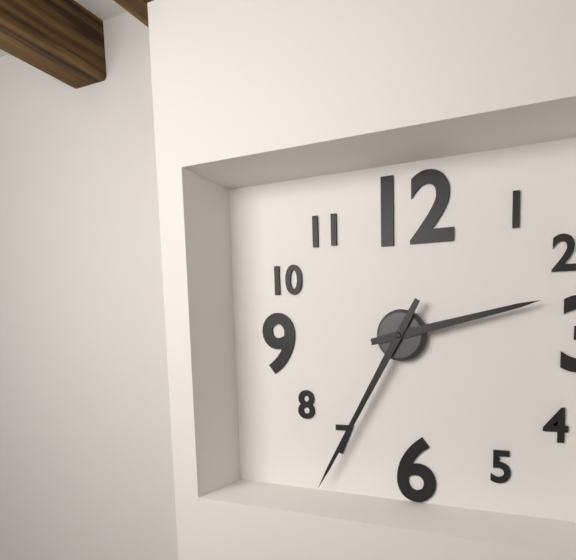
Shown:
2 h 35 min
